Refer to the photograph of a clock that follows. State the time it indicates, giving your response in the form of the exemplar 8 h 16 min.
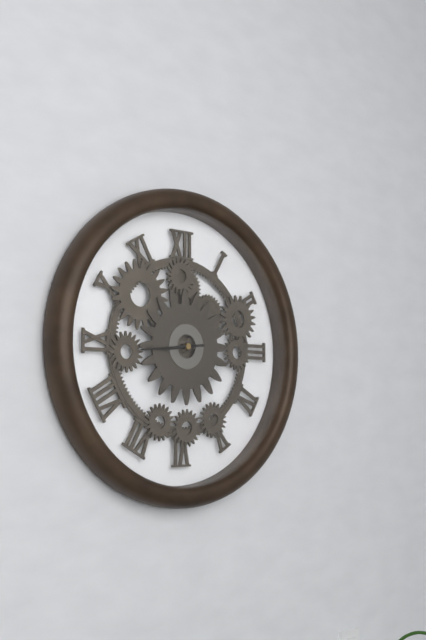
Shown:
8 h 44 min
